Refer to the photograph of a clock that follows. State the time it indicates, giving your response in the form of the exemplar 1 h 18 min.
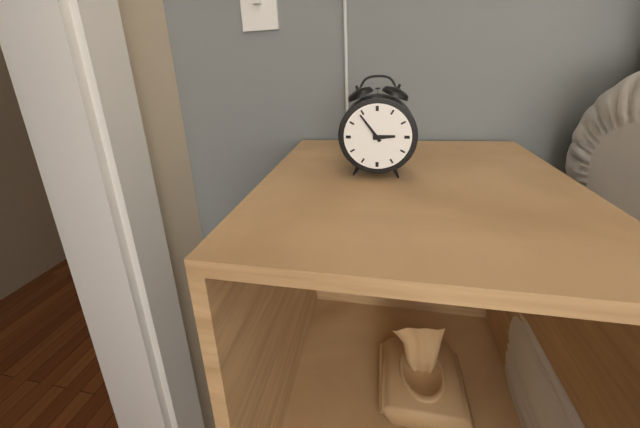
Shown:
2 h 54 min
